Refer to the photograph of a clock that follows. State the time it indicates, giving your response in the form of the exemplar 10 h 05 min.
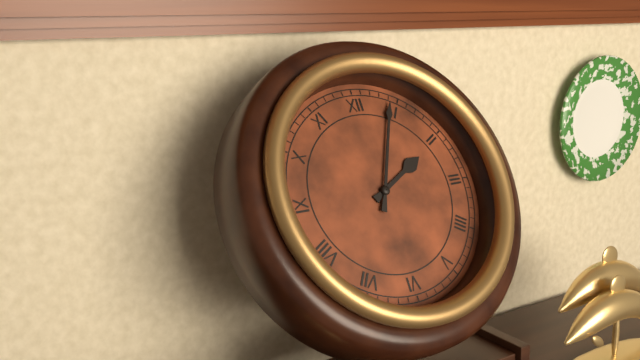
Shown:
2 h 04 min
